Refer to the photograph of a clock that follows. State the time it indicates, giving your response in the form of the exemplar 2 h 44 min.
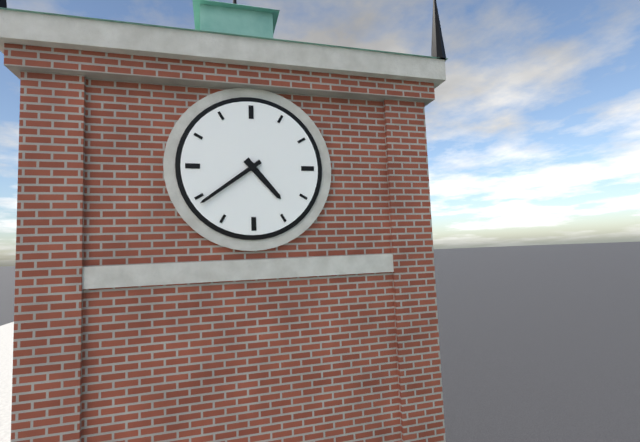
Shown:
4 h 39 min
